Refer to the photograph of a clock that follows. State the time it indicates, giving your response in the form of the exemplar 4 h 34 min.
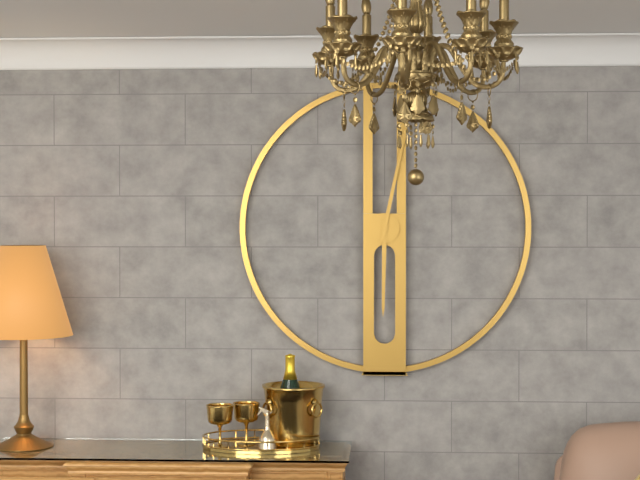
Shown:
6 h 02 min
